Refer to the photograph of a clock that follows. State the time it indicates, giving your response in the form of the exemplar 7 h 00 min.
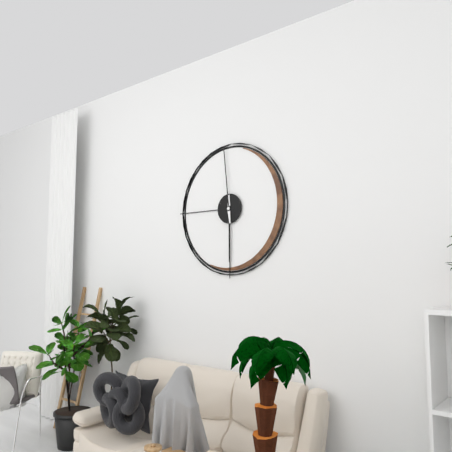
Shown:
5 h 59 min
